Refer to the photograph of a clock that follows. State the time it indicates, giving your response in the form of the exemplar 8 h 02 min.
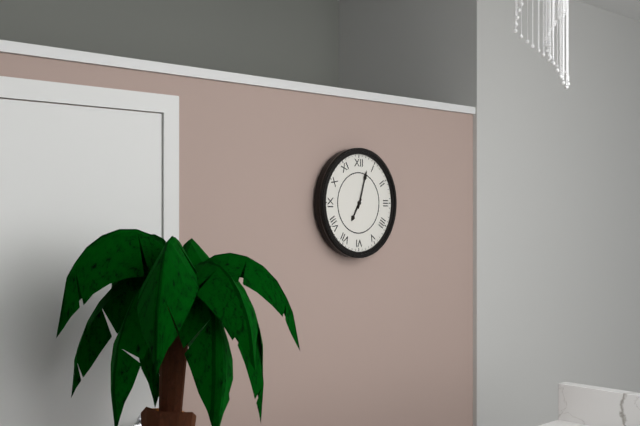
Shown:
7 h 03 min
